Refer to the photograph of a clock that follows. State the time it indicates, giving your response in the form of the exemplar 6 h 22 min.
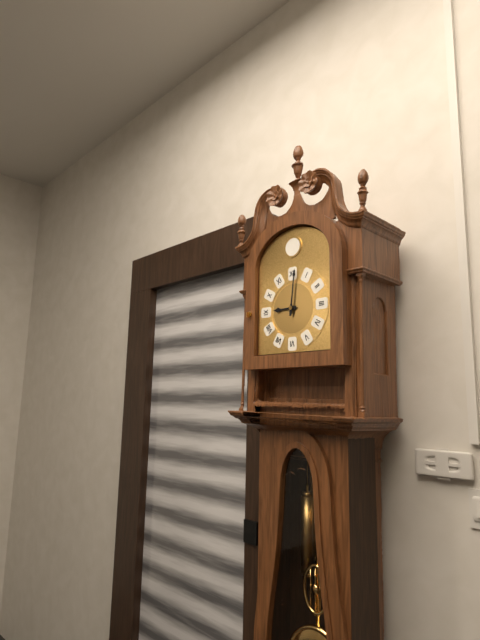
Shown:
9 h 01 min
